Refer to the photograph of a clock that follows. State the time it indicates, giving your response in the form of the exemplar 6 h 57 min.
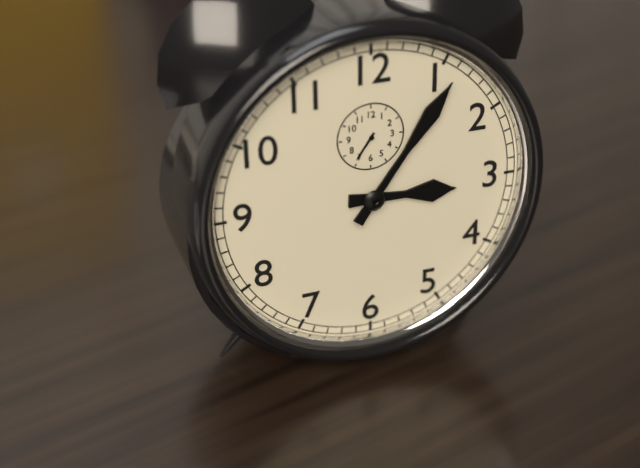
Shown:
3 h 06 min
